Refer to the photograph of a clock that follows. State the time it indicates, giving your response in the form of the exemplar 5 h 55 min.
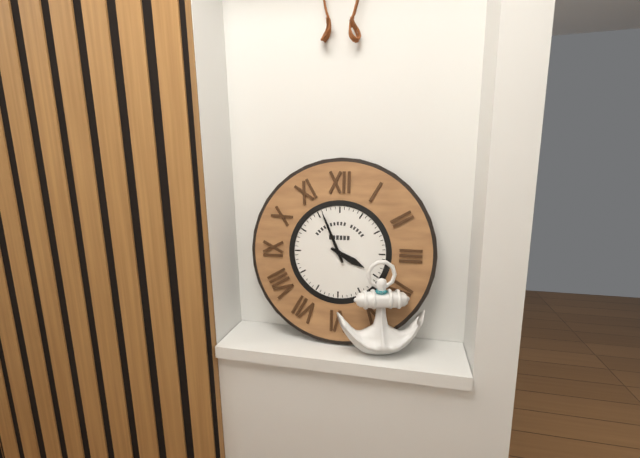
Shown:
3 h 56 min
